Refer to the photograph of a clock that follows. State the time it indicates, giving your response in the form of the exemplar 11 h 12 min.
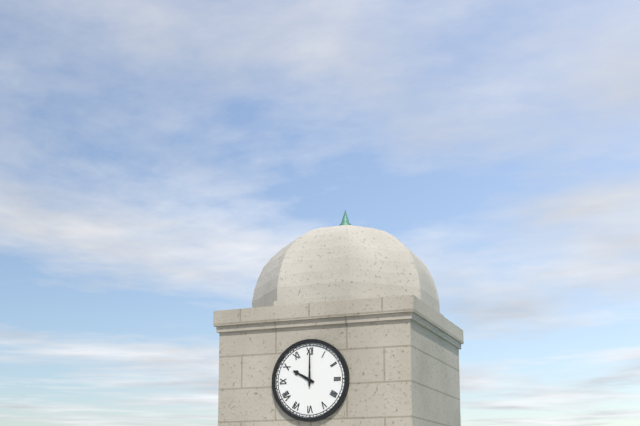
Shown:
10 h 00 min
